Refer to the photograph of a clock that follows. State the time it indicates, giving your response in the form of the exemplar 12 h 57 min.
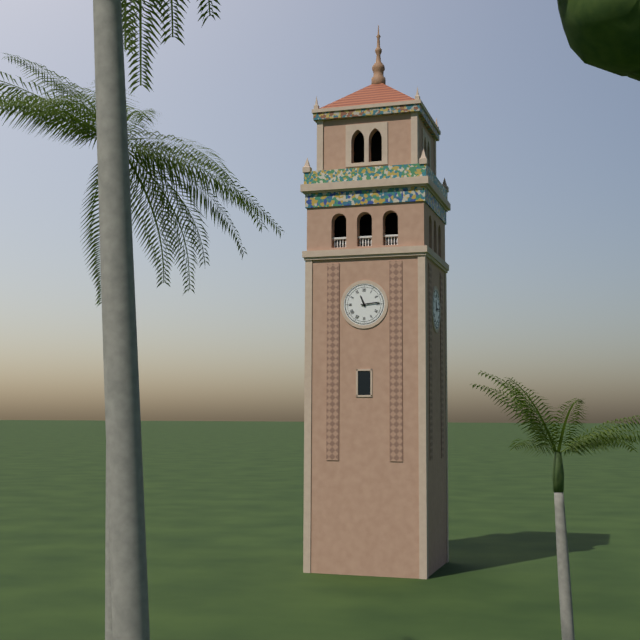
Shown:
11 h 14 min
